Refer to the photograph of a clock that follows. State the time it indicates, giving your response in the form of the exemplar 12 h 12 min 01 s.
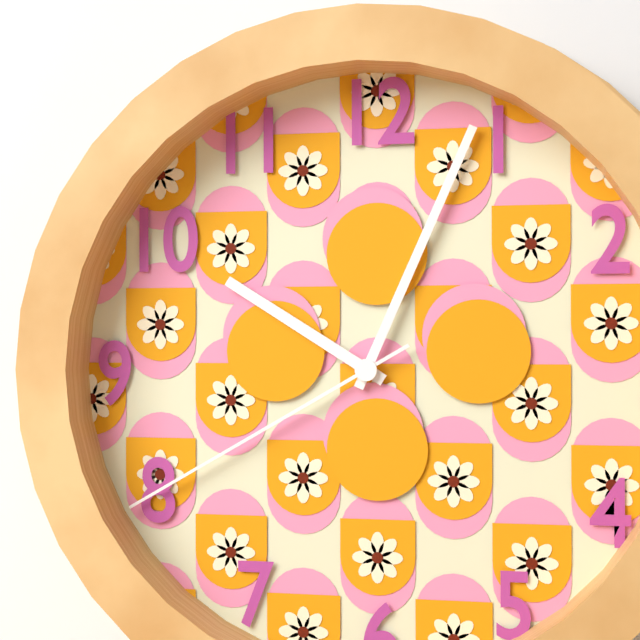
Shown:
10 h 04 min 40 s
